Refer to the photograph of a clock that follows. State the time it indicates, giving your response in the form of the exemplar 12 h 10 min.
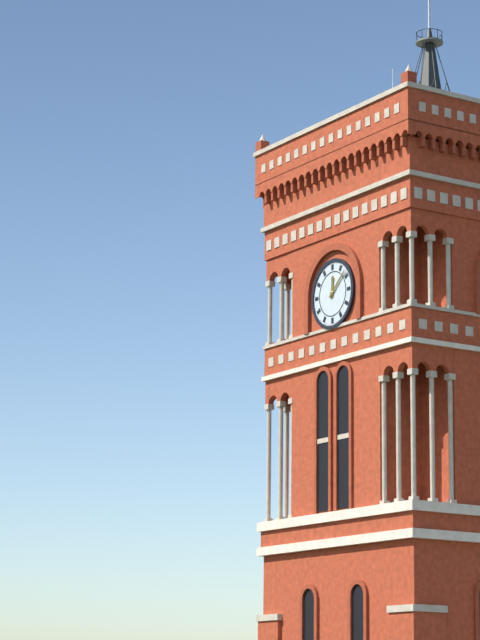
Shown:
12 h 08 min
